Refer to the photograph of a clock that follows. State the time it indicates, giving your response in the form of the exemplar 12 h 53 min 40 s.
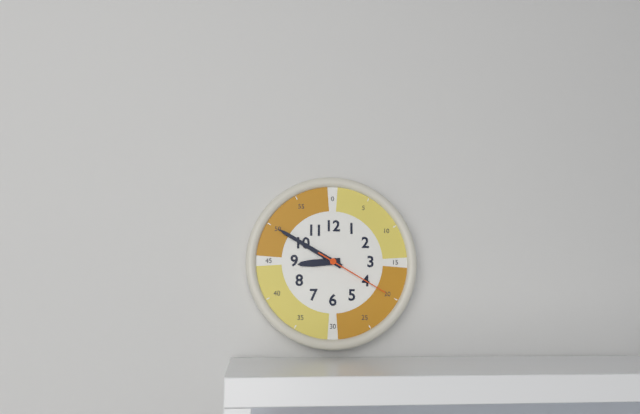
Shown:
8 h 50 min 20 s
